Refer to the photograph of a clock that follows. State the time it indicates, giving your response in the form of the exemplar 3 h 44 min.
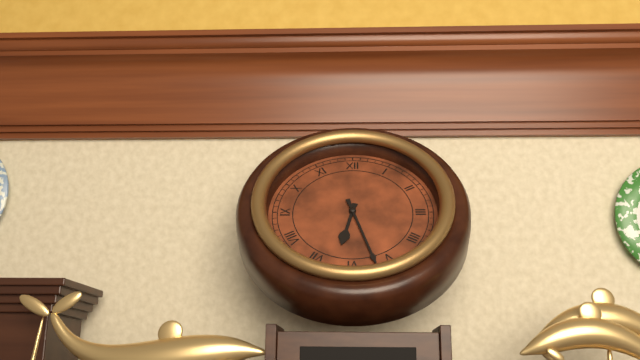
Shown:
6 h 27 min
